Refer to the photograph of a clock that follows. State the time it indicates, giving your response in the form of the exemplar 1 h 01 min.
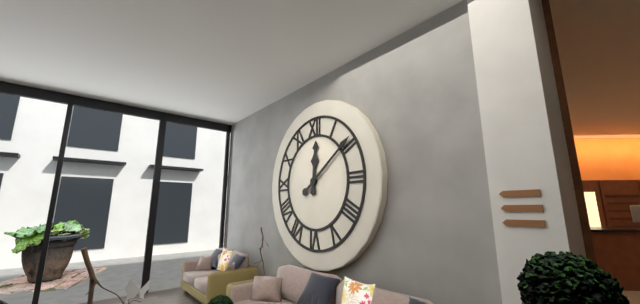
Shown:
12 h 09 min
